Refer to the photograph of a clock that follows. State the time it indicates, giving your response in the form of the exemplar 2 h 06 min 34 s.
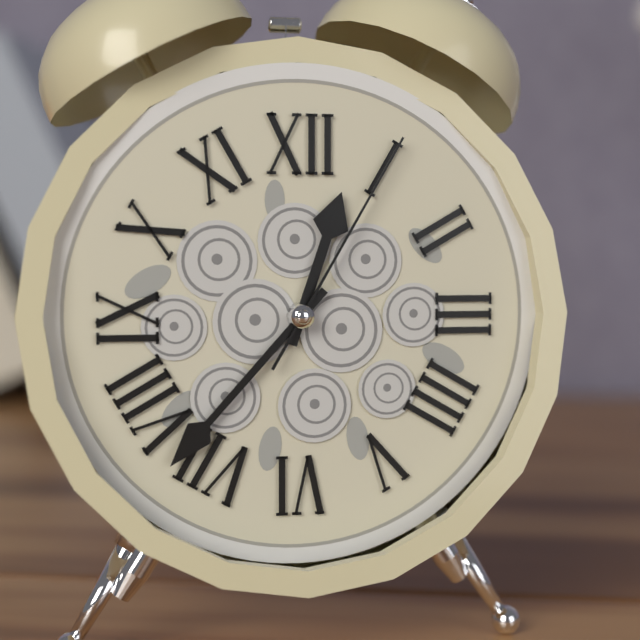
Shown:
12 h 37 min 05 s
